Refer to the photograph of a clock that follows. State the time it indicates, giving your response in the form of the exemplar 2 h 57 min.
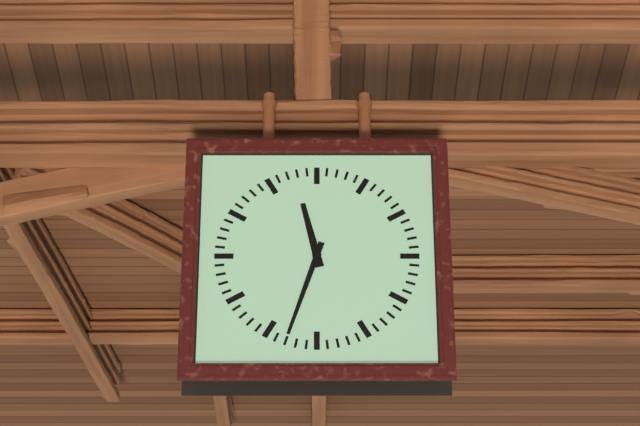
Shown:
11 h 33 min
